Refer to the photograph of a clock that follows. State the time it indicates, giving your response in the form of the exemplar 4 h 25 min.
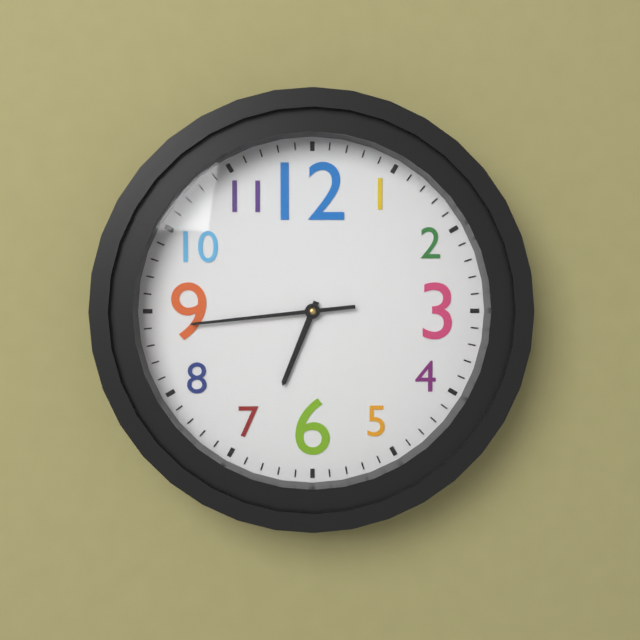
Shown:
6 h 44 min
